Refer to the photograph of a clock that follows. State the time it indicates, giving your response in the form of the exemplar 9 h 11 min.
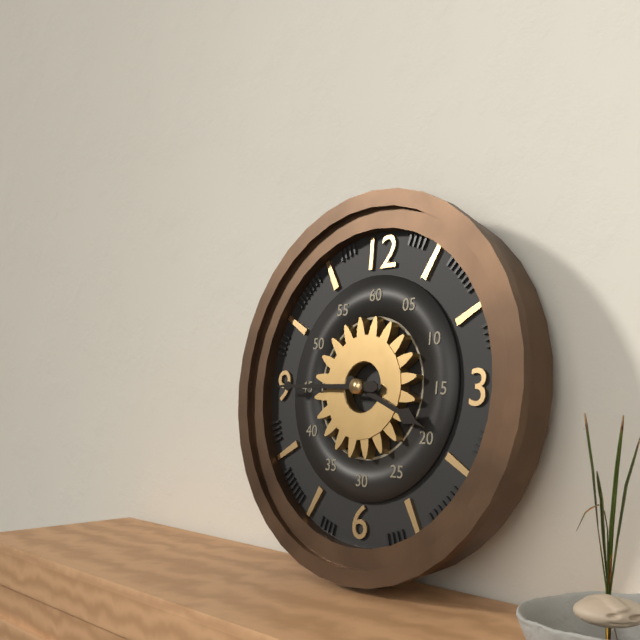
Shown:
3 h 45 min
